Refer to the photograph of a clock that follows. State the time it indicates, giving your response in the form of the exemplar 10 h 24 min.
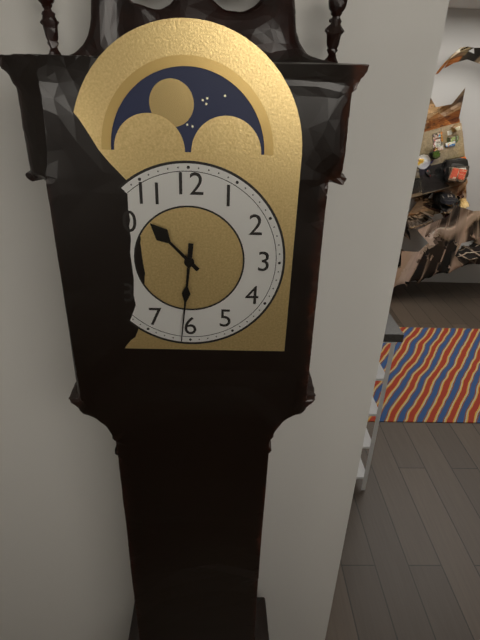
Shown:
10 h 31 min
